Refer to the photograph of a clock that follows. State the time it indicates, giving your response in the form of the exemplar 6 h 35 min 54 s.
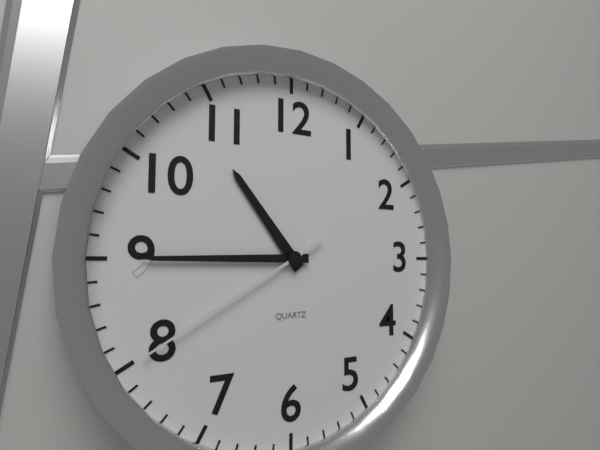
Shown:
10 h 45 min 40 s
